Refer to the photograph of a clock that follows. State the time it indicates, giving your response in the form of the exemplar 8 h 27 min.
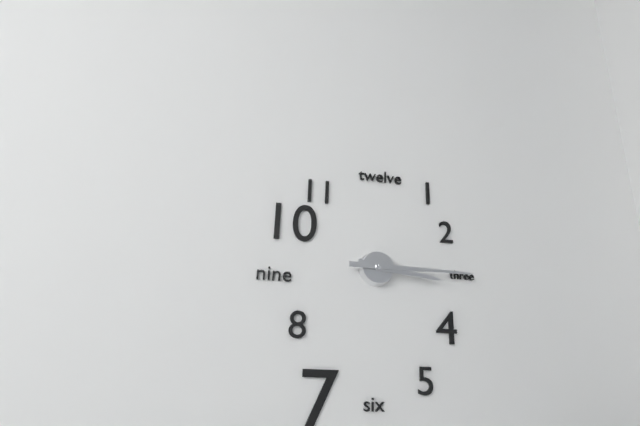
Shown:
3 h 15 min
